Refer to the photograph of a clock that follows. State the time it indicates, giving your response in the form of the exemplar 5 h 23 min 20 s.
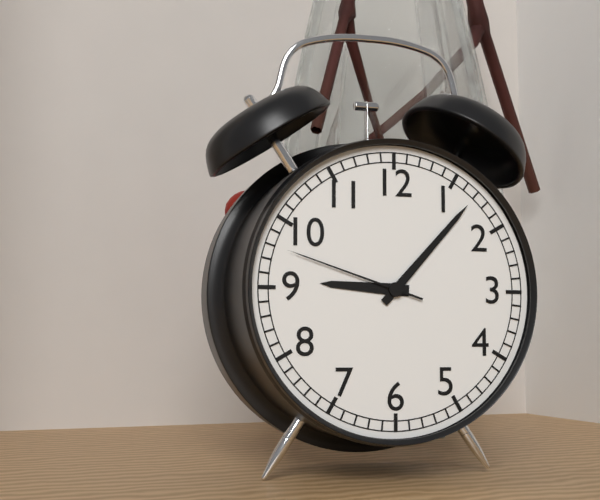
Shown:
9 h 07 min 48 s
